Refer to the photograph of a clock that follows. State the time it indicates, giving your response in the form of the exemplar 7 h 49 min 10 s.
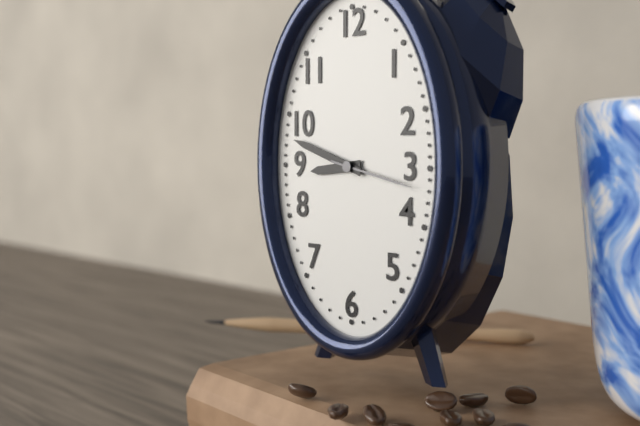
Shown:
8 h 48 min 17 s
